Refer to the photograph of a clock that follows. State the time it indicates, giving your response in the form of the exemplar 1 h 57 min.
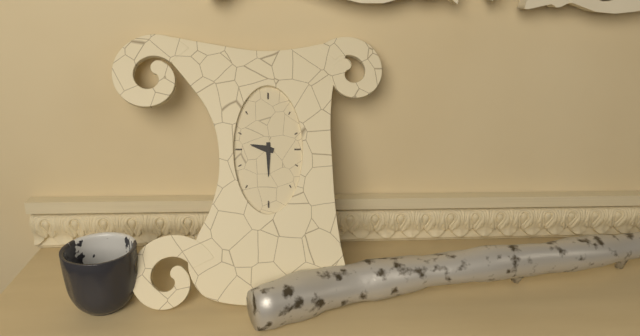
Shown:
9 h 30 min
